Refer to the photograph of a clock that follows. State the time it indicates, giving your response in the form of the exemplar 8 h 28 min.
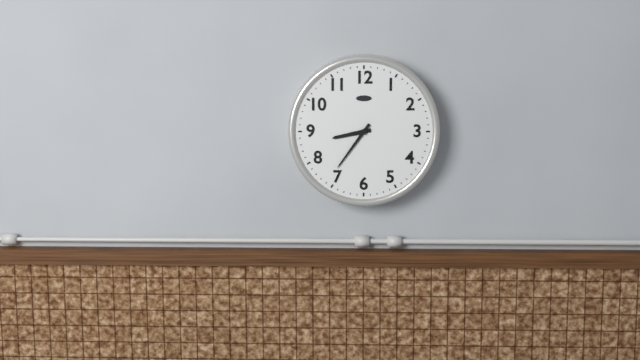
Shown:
8 h 36 min
